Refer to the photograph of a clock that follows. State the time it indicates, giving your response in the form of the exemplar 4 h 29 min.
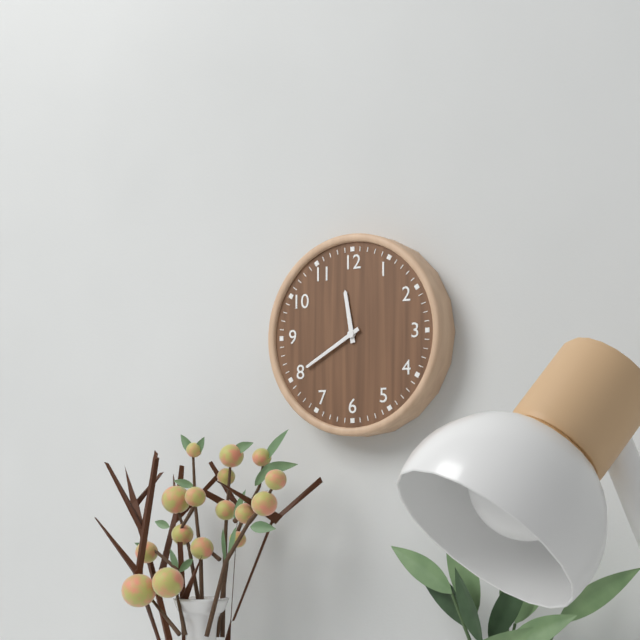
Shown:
11 h 40 min
